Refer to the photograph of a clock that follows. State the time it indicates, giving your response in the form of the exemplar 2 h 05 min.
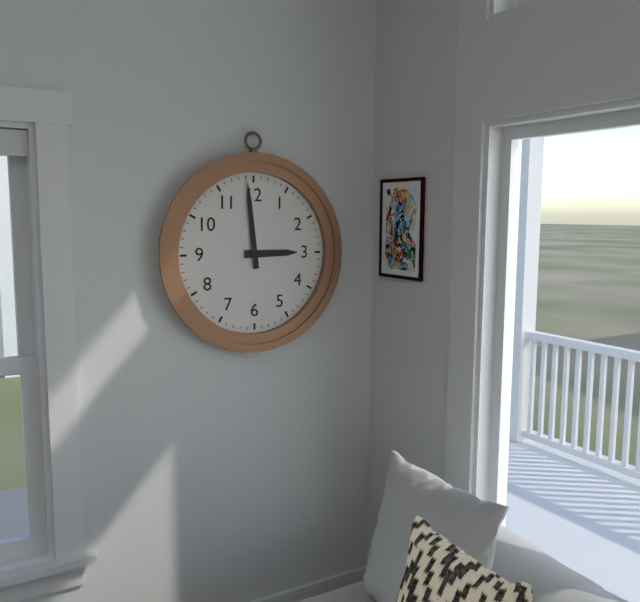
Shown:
2 h 59 min
